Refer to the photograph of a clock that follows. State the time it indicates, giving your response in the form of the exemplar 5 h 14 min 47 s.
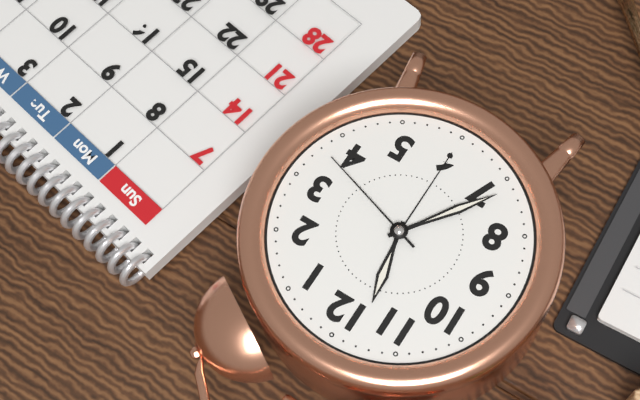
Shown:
11 h 36 min 18 s
